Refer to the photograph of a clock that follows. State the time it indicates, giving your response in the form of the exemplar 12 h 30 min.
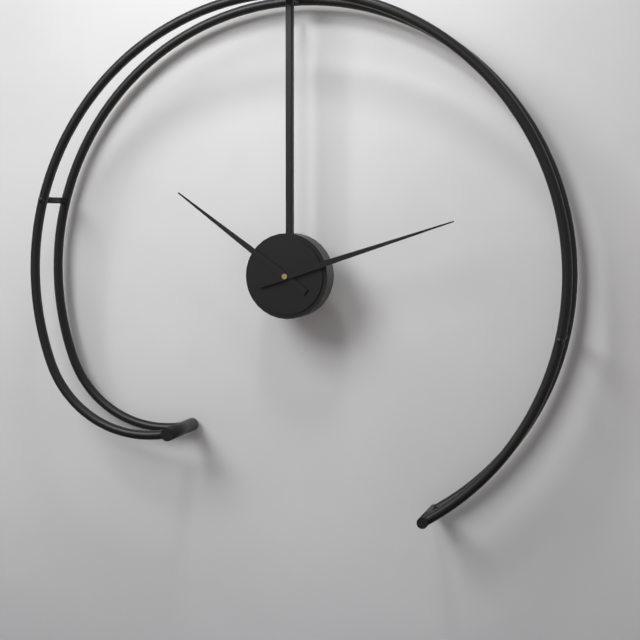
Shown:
10 h 12 min
